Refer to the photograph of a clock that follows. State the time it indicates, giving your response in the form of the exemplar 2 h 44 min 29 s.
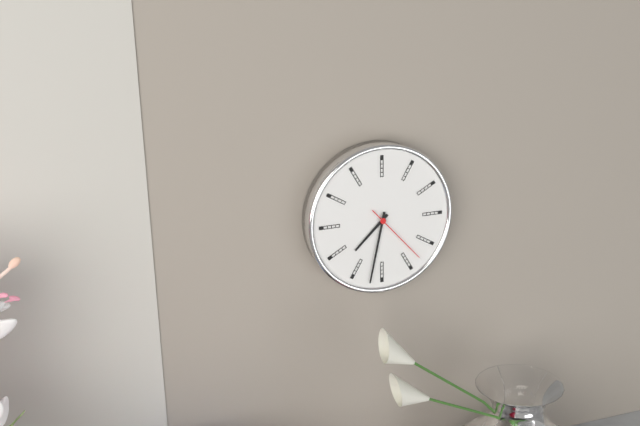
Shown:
7 h 32 min 23 s
